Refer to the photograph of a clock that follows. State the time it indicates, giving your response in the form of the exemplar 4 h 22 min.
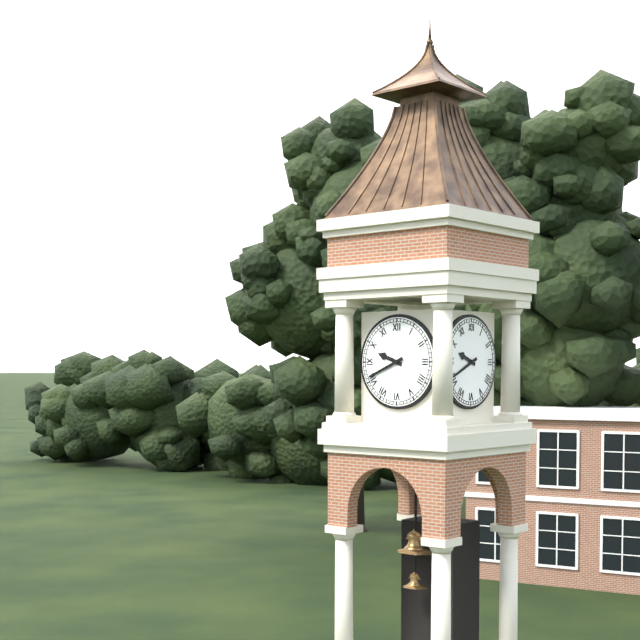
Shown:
9 h 41 min
